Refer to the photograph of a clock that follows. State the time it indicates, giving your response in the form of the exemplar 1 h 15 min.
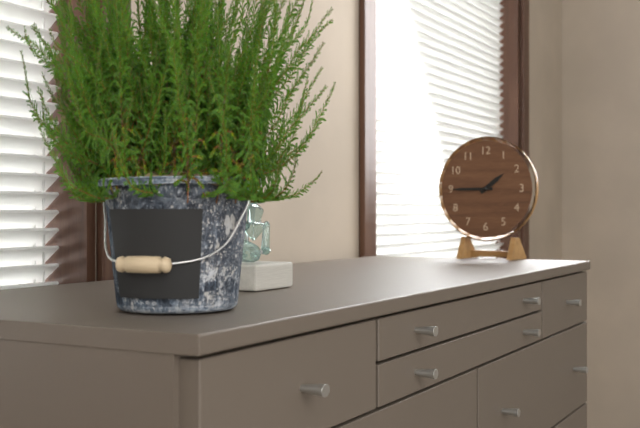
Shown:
1 h 45 min
